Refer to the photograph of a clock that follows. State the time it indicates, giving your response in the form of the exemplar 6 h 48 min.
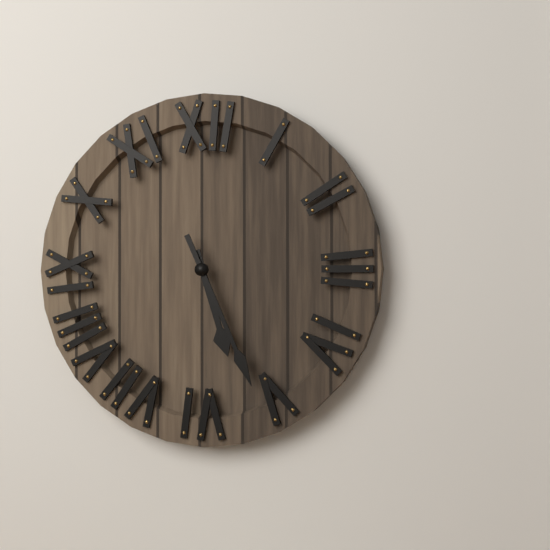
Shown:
5 h 26 min
